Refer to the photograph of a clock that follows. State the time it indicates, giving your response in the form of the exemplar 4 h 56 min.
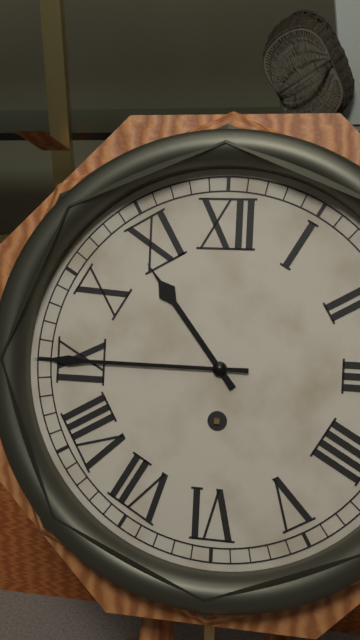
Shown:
10 h 45 min
